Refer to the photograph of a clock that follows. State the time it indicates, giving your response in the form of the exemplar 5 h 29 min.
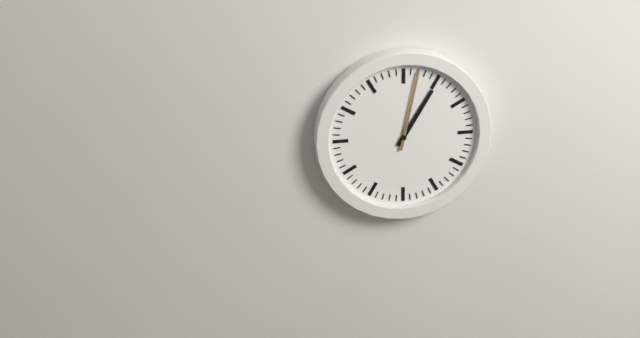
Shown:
1 h 02 min
